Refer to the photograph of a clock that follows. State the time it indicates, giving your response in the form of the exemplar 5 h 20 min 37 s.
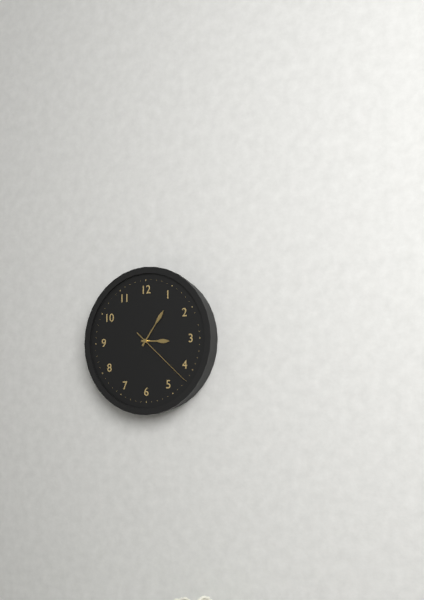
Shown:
3 h 06 min 22 s
